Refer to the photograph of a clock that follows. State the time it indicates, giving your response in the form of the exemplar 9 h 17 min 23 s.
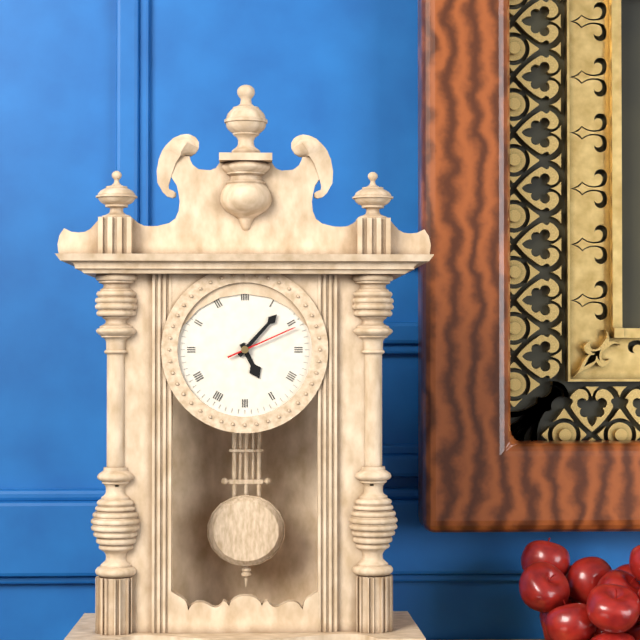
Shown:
5 h 07 min 11 s
